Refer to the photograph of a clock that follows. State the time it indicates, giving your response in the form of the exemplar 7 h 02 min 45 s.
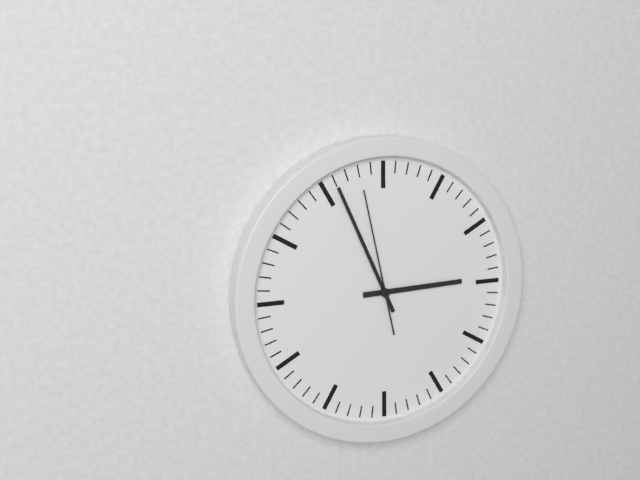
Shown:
2 h 56 min 58 s
